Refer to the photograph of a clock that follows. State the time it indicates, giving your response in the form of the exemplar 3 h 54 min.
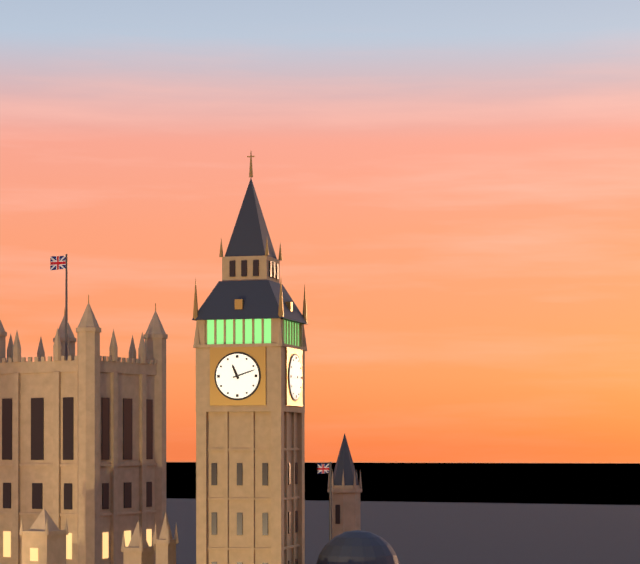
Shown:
11 h 12 min
